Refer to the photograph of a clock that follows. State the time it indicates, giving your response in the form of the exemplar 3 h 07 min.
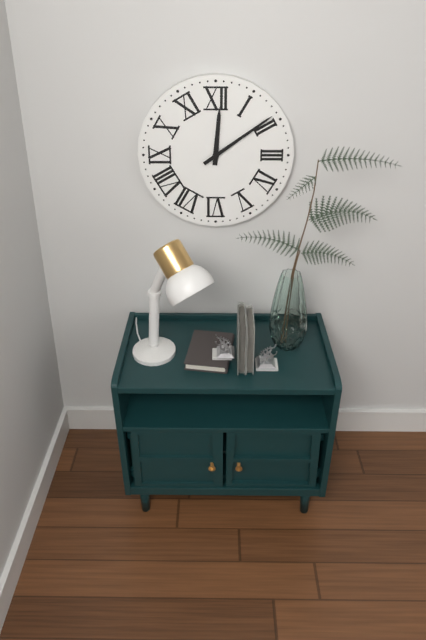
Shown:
12 h 09 min
